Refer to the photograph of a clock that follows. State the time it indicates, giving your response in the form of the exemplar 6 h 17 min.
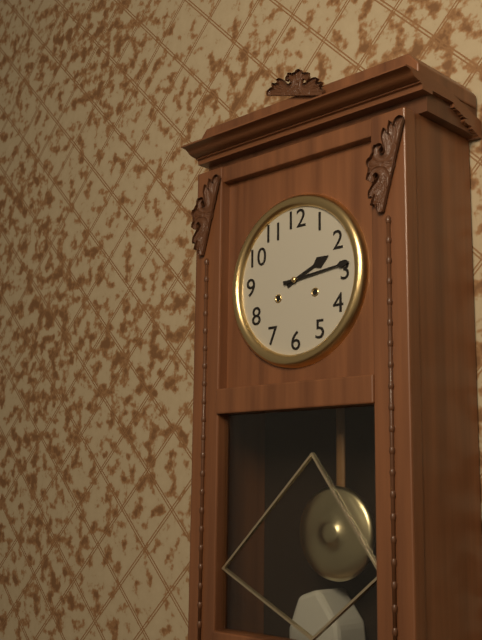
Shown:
2 h 14 min
